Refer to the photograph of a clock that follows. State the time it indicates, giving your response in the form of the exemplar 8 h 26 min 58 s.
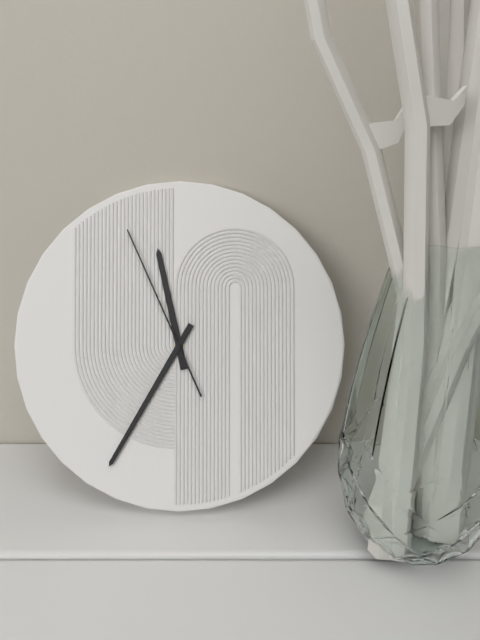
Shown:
11 h 35 min 56 s
